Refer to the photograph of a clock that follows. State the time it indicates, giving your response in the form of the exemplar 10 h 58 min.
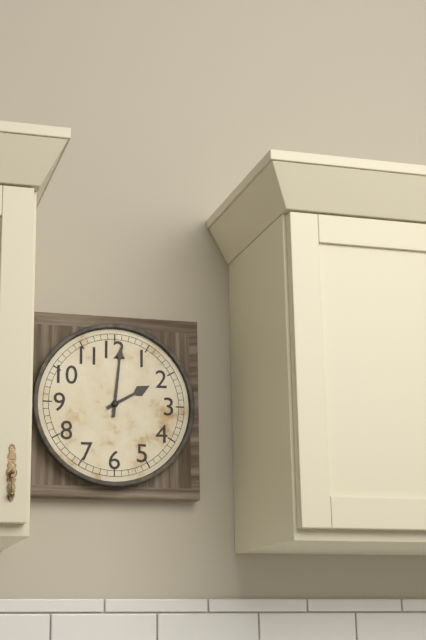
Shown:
2 h 01 min
